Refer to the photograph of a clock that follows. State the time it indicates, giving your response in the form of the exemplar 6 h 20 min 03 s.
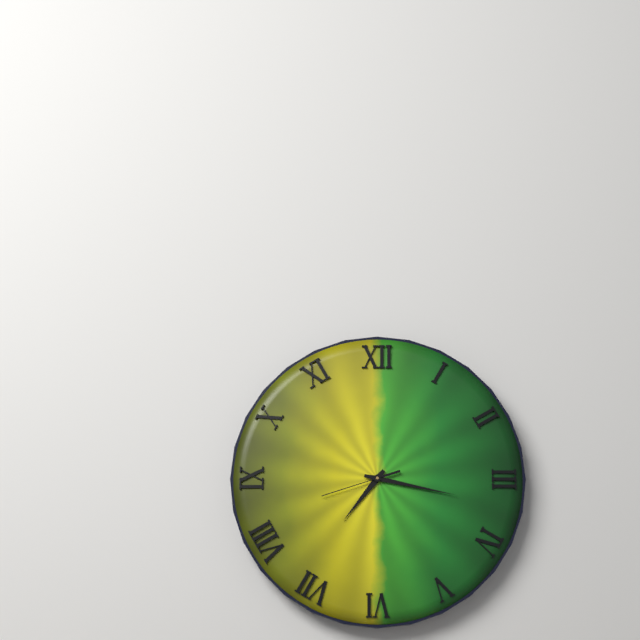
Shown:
7 h 17 min 42 s
